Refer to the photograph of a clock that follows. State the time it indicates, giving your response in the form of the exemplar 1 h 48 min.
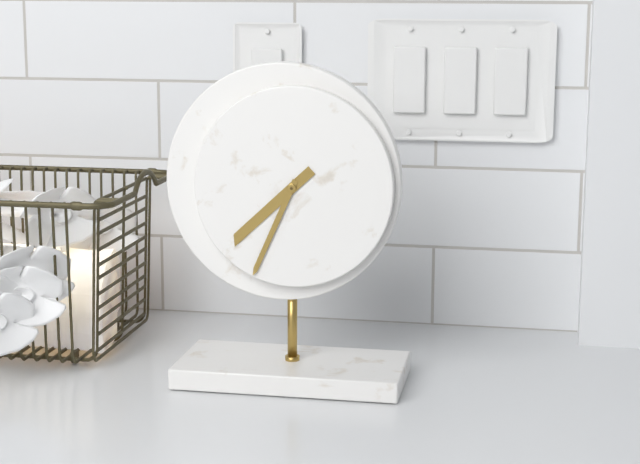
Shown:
7 h 34 min
